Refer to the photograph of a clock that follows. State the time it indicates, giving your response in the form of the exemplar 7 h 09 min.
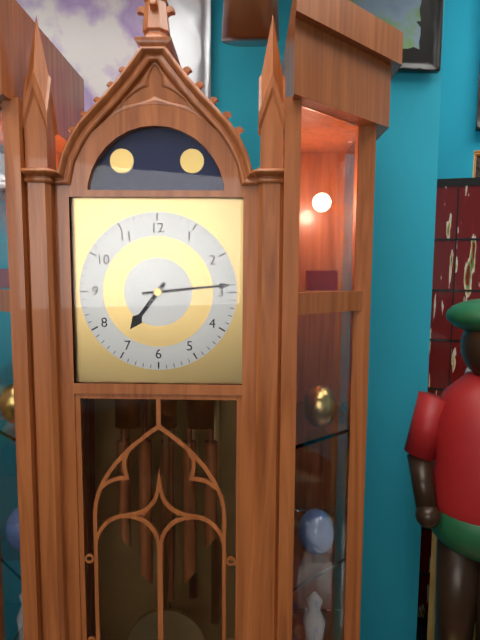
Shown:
7 h 14 min
